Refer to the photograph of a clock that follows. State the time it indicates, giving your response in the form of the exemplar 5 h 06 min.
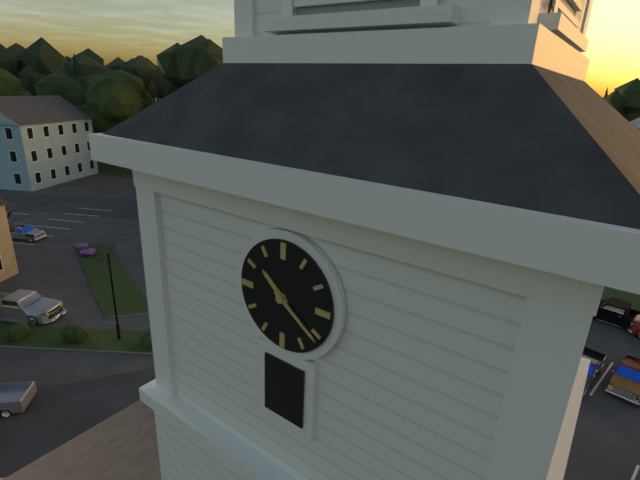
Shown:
10 h 21 min
